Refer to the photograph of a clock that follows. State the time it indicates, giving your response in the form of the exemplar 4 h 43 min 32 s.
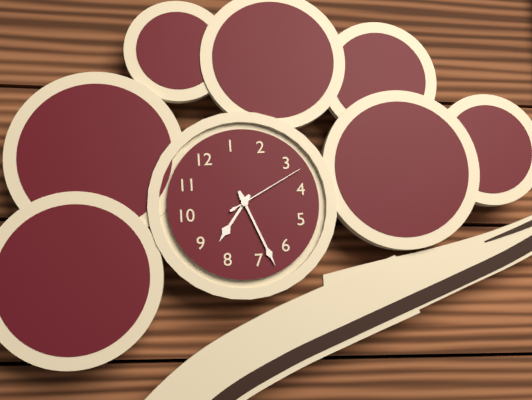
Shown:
8 h 33 min 17 s
